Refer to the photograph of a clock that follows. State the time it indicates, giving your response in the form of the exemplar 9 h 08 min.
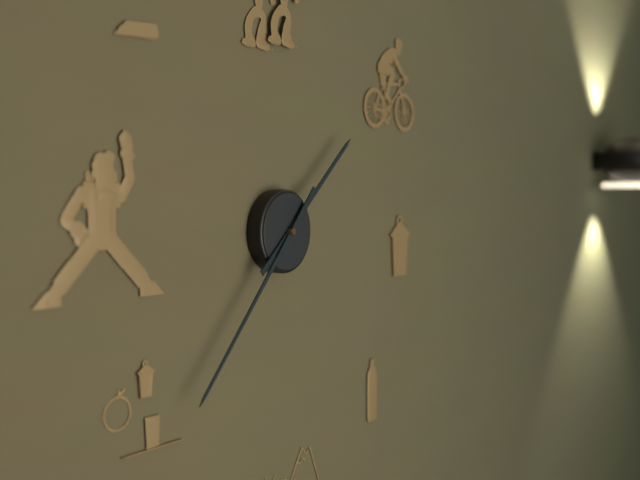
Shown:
1 h 37 min
